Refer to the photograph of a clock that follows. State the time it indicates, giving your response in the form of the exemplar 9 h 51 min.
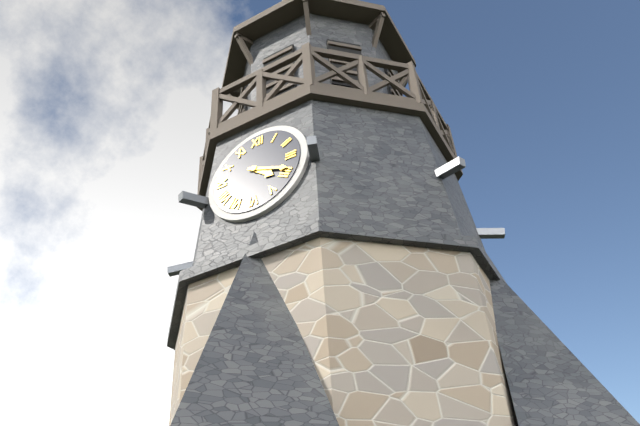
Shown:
4 h 19 min
